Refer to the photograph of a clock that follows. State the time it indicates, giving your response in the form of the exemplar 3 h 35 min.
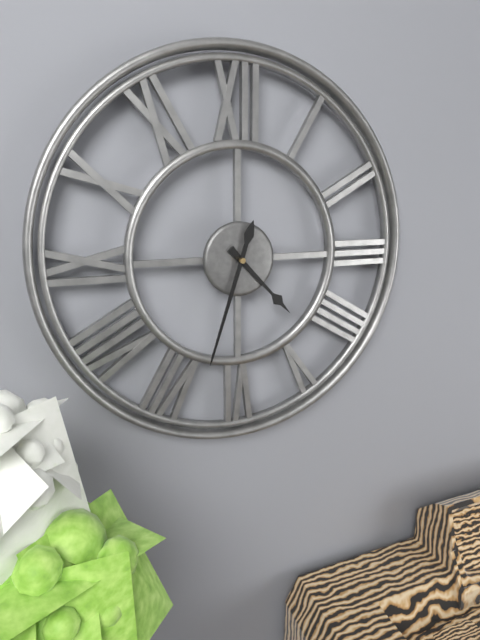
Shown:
4 h 33 min
